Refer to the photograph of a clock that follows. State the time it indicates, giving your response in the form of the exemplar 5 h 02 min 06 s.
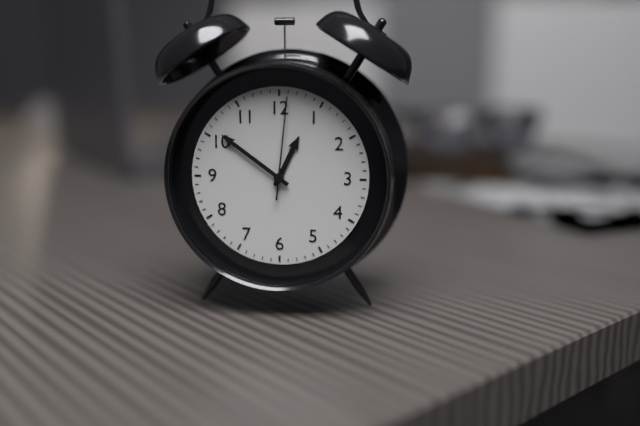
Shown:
12 h 51 min 01 s
